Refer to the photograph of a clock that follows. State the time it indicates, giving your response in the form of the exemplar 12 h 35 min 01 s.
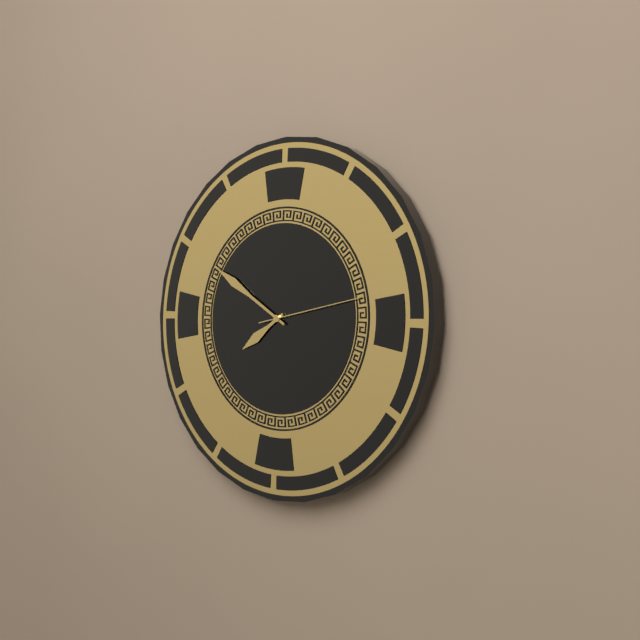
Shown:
7 h 50 min 13 s
